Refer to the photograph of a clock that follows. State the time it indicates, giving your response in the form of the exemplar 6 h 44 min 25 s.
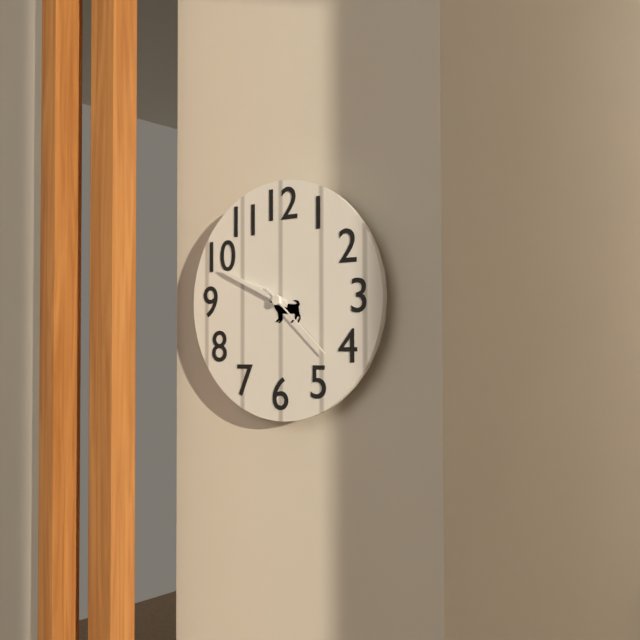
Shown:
9 h 49 min 22 s
